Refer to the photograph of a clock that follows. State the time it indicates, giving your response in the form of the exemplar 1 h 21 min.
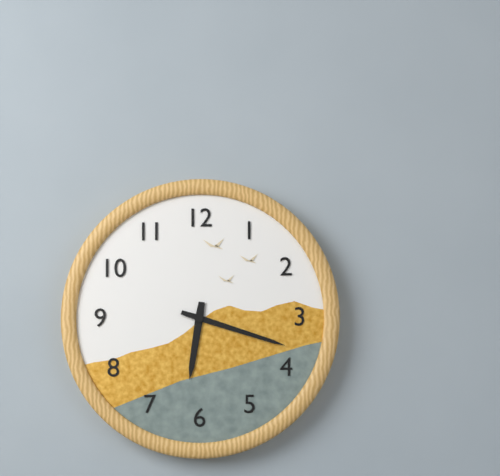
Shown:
6 h 18 min
